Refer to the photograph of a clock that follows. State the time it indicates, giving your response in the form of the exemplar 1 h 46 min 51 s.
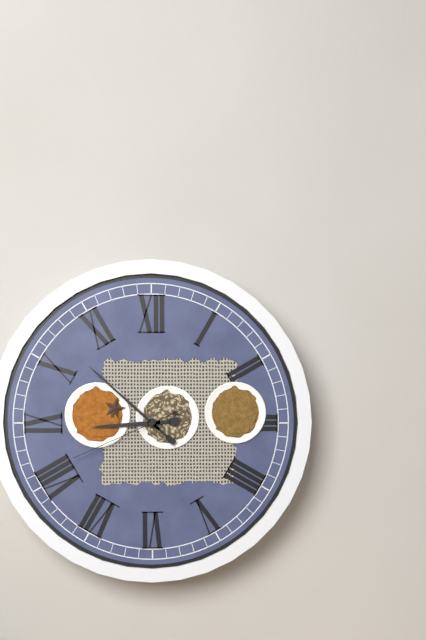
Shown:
8 h 52 min 41 s
